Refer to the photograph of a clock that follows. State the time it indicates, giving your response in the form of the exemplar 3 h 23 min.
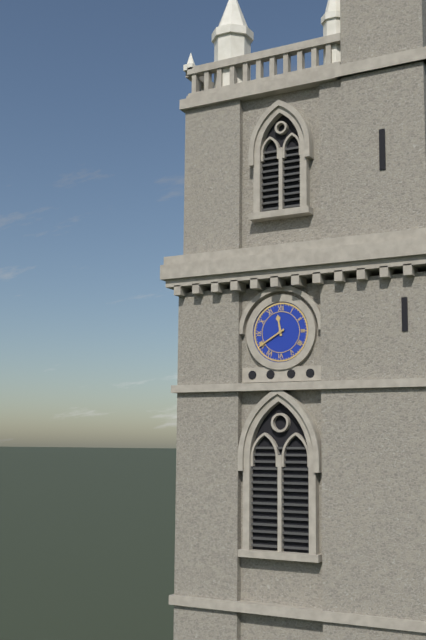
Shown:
11 h 40 min
